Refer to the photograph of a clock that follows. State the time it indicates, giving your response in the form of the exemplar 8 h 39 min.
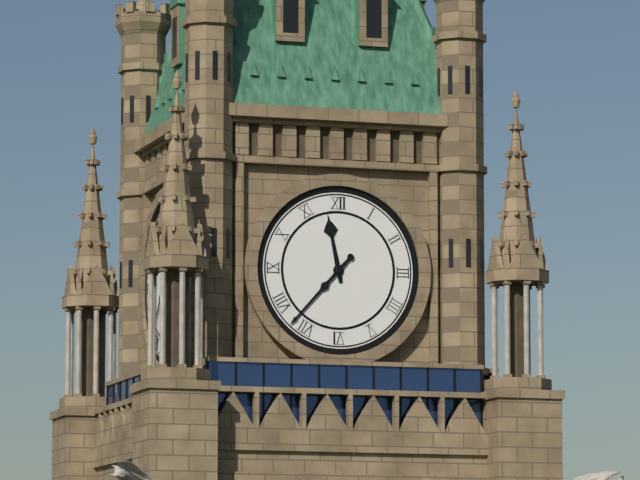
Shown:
11 h 37 min
